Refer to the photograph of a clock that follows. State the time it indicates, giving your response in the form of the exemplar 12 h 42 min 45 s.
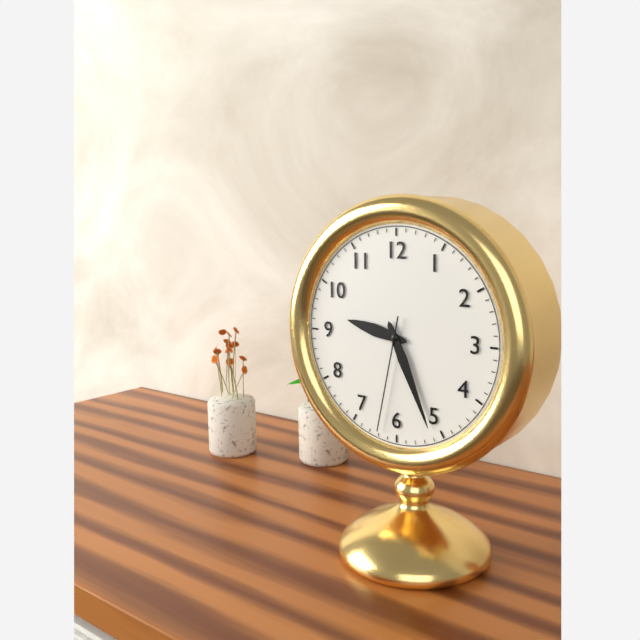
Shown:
9 h 26 min 32 s
